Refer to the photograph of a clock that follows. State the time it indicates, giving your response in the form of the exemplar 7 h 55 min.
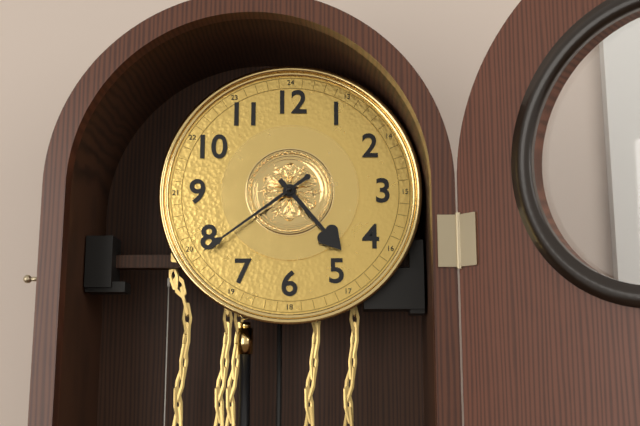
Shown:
4 h 39 min
